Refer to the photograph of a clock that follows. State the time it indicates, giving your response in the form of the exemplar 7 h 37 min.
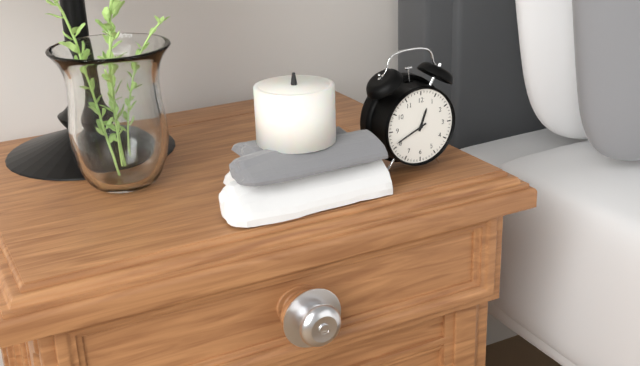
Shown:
12 h 41 min
